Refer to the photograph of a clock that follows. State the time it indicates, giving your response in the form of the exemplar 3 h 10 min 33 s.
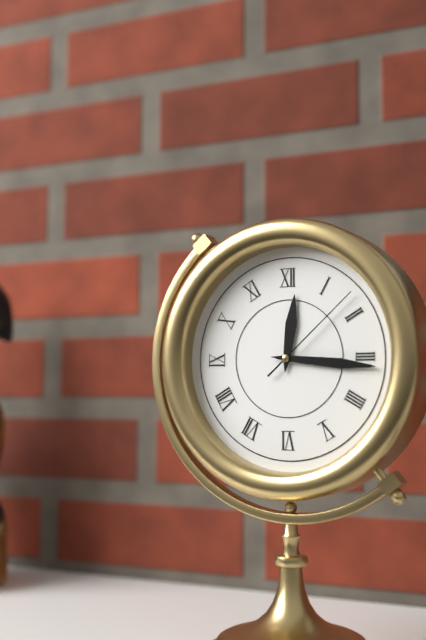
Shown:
12 h 16 min 08 s
